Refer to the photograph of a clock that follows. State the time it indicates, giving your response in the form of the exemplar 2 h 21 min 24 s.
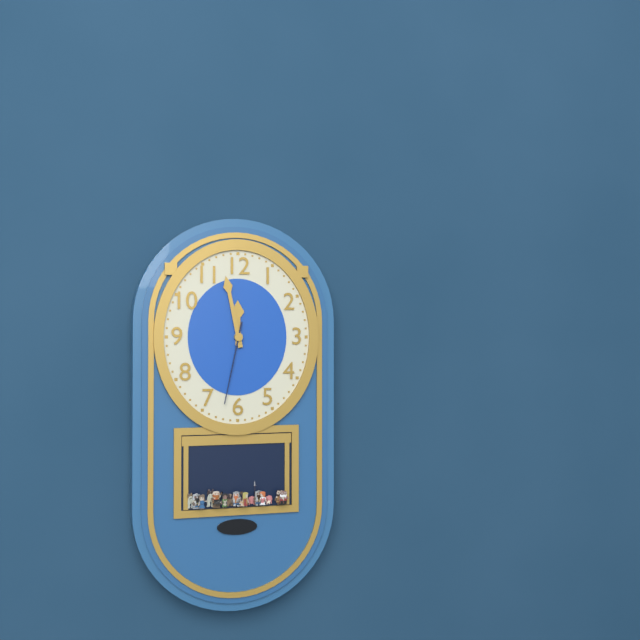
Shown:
11 h 58 min 32 s
